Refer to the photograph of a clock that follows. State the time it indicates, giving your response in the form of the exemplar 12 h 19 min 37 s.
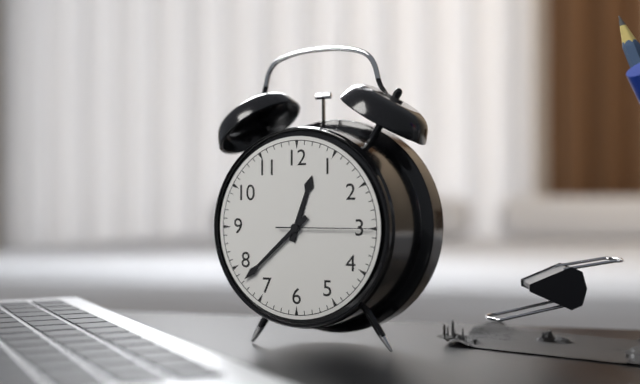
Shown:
12 h 38 min 15 s
